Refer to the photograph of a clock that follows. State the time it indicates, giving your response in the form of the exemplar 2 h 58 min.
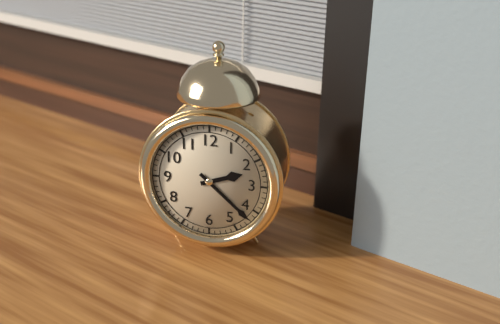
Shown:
2 h 22 min
